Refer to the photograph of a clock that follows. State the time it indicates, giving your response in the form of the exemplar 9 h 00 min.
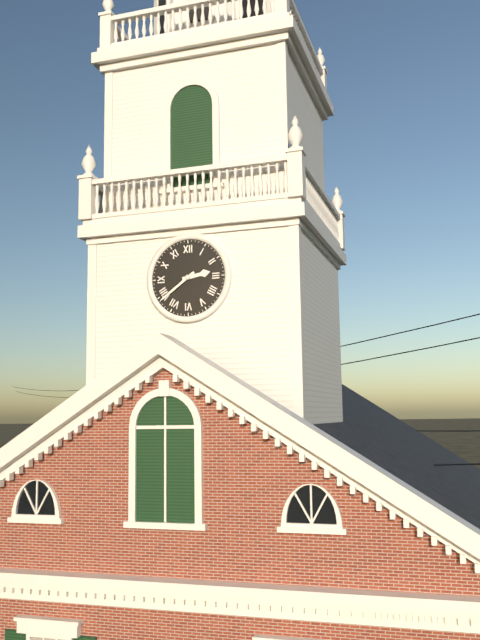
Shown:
2 h 39 min
